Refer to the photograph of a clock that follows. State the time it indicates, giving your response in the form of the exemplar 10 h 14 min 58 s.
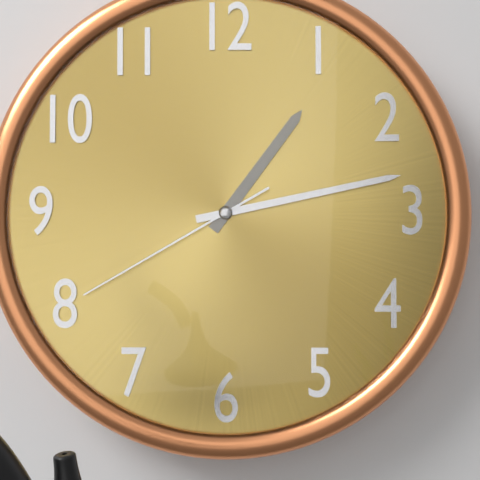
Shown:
1 h 13 min 40 s
